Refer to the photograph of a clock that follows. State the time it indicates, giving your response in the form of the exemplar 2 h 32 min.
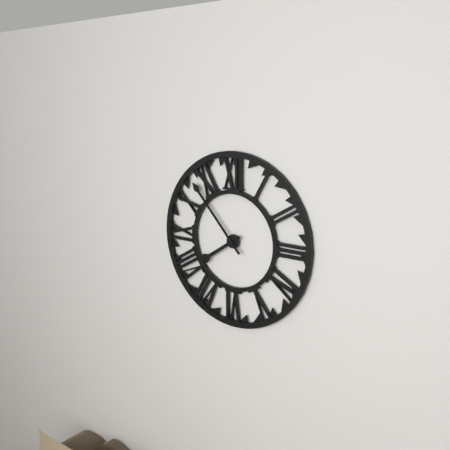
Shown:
7 h 53 min
